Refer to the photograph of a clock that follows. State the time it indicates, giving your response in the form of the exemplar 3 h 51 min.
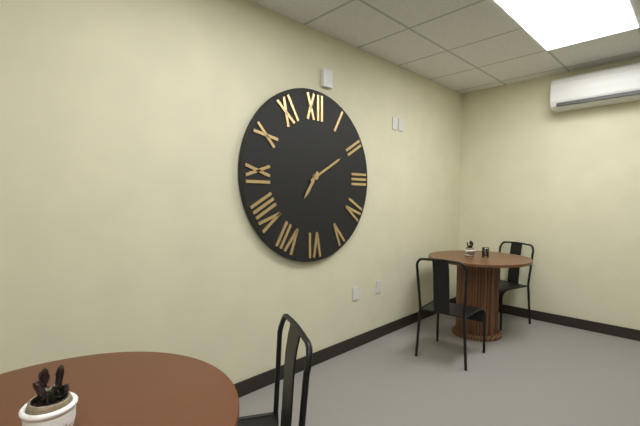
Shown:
7 h 10 min
